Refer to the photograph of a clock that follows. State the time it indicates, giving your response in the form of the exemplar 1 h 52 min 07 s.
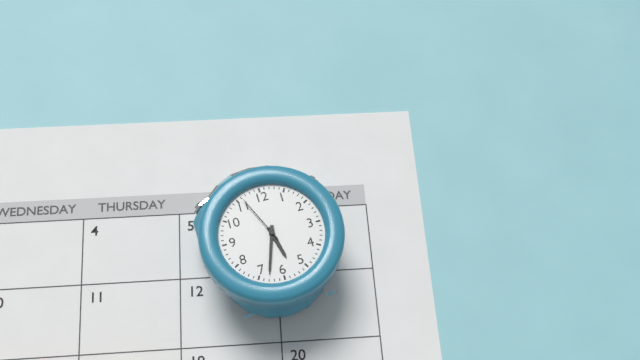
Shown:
5 h 33 min 56 s
